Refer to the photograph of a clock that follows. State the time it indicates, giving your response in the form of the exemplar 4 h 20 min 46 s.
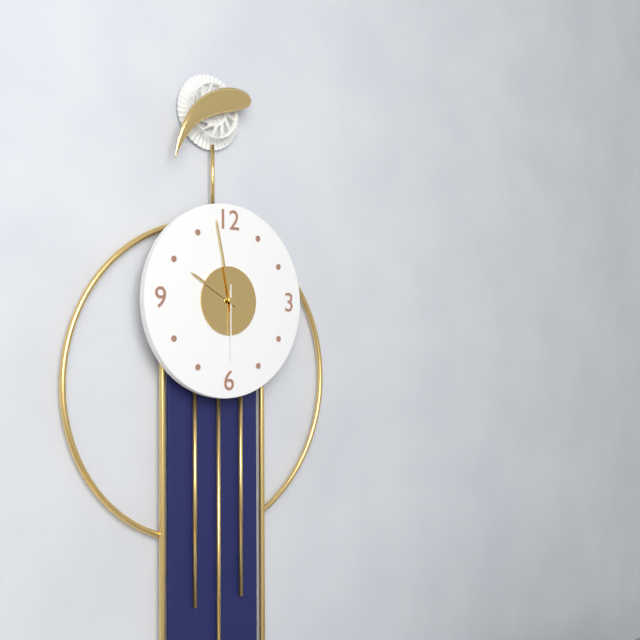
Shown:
9 h 58 min 30 s
